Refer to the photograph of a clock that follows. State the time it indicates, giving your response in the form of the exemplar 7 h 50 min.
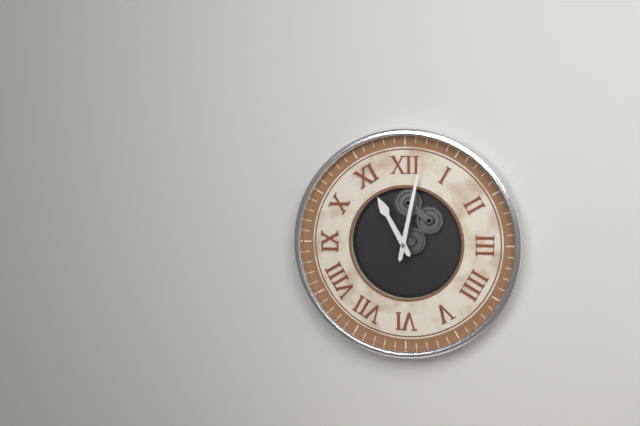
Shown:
11 h 02 min
